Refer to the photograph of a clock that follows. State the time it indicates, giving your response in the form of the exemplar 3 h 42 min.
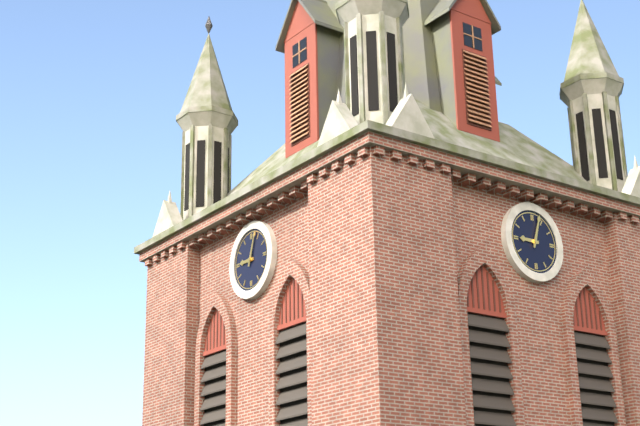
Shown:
9 h 03 min
